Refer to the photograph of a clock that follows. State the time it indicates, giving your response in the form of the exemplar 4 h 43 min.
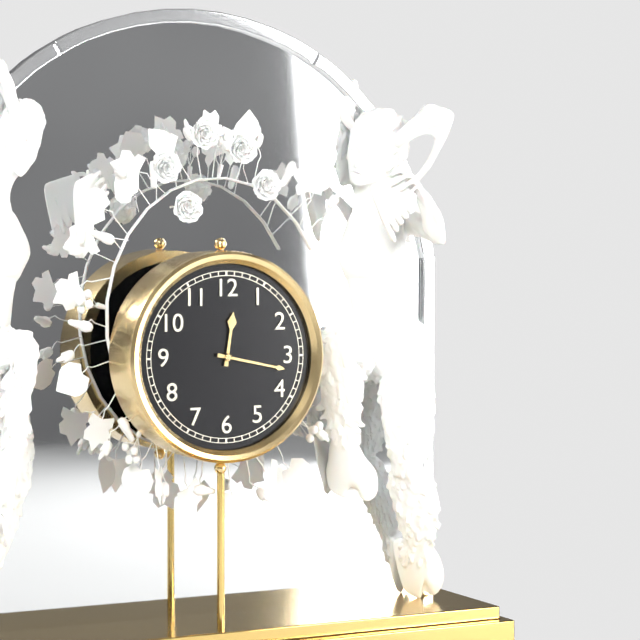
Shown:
12 h 17 min
